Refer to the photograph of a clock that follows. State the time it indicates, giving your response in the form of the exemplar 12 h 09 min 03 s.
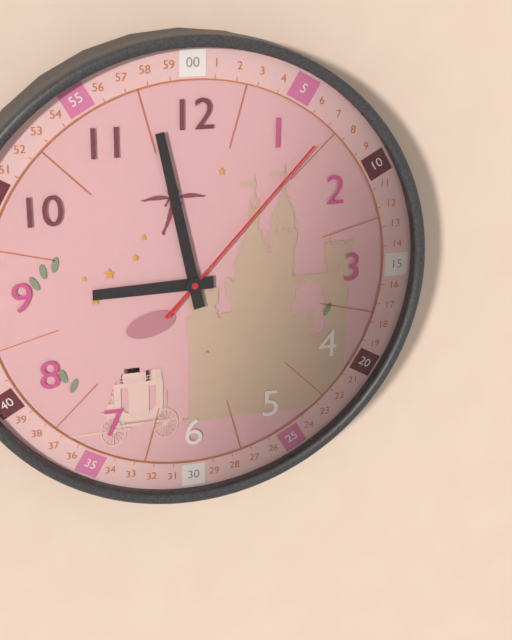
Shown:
8 h 58 min 07 s
